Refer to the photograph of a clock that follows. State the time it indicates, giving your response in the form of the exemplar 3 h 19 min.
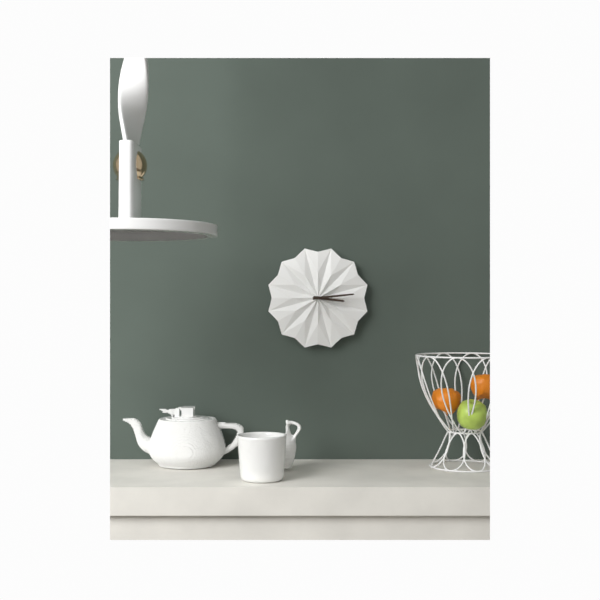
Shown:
3 h 14 min
